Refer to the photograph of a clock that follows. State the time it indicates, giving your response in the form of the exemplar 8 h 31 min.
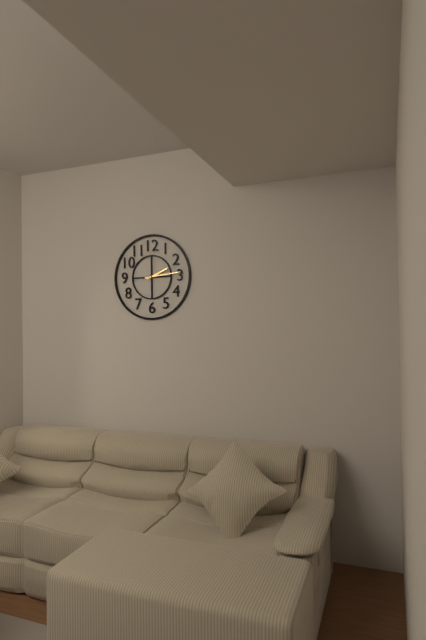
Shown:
2 h 14 min
